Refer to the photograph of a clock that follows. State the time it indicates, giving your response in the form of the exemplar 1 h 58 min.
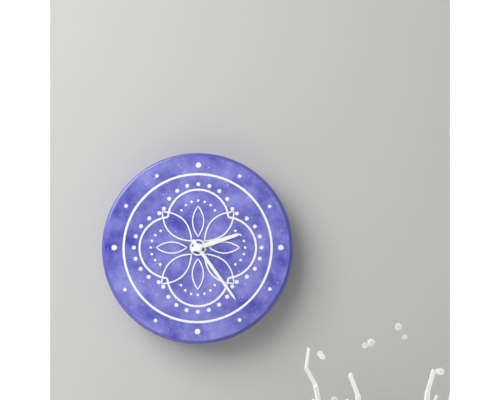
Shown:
2 h 24 min
